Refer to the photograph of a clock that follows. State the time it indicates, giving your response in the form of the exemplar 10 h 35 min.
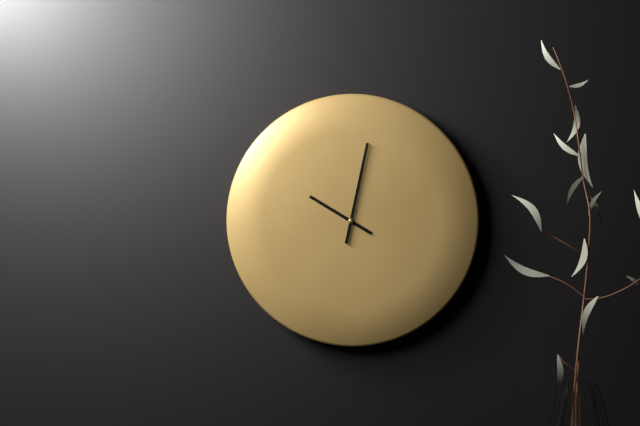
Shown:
10 h 02 min
